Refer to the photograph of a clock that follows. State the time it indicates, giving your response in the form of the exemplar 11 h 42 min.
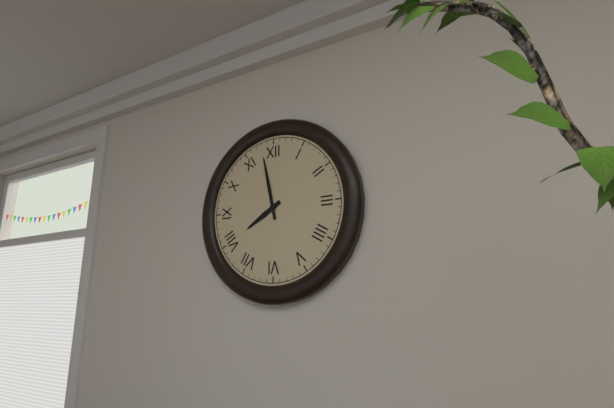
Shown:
7 h 58 min
